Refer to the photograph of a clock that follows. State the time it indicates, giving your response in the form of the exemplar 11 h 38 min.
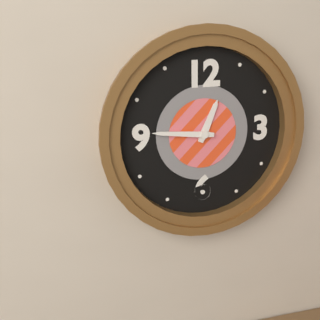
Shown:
12 h 46 min
